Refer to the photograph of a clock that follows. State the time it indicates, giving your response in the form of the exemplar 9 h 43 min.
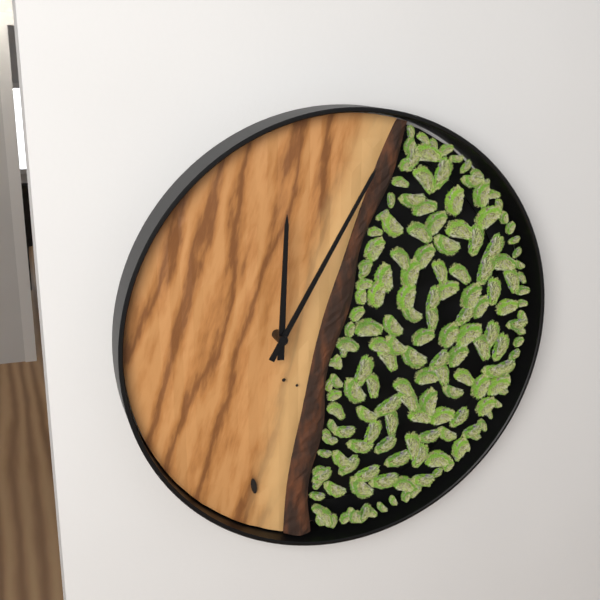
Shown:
12 h 05 min
